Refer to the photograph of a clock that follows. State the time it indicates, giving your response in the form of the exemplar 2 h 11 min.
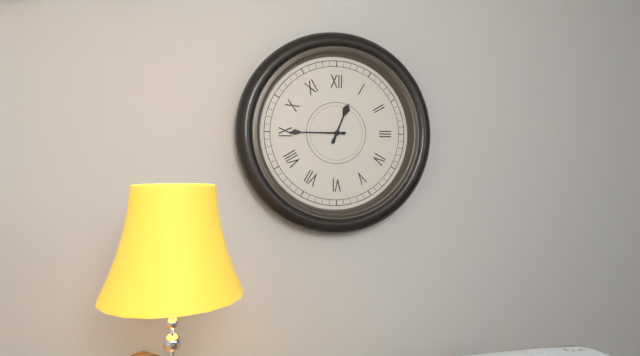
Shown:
12 h 45 min
